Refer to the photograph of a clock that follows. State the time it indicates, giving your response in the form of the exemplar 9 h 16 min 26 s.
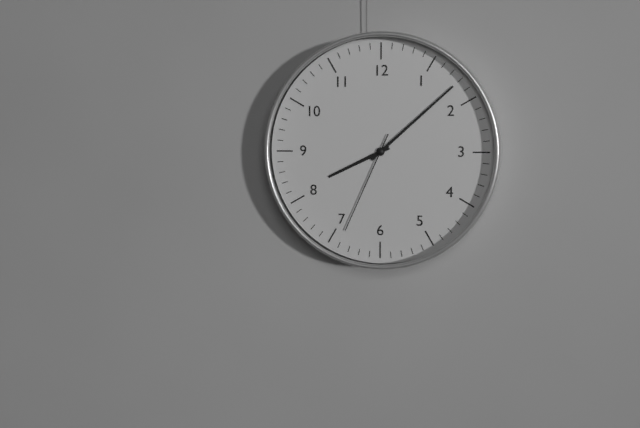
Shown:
8 h 08 min 34 s
